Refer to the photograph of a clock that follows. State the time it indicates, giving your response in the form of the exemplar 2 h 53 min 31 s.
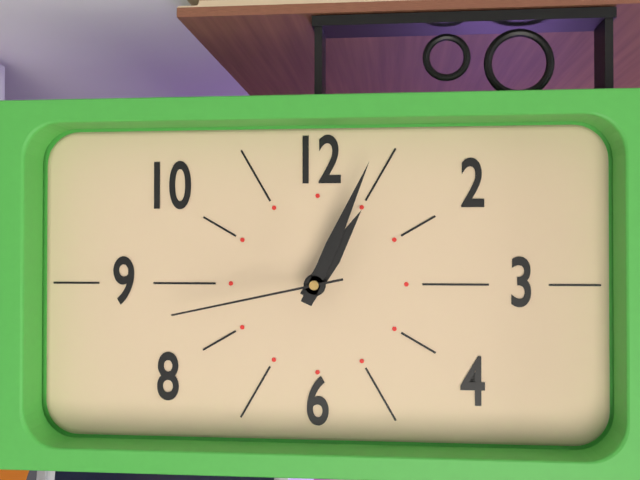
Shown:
1 h 04 min 43 s
